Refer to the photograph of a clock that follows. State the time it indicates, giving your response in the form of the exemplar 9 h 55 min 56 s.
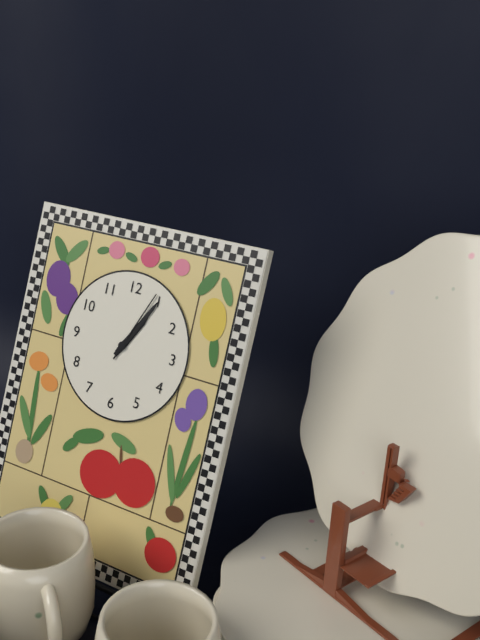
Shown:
1 h 05 min 04 s
